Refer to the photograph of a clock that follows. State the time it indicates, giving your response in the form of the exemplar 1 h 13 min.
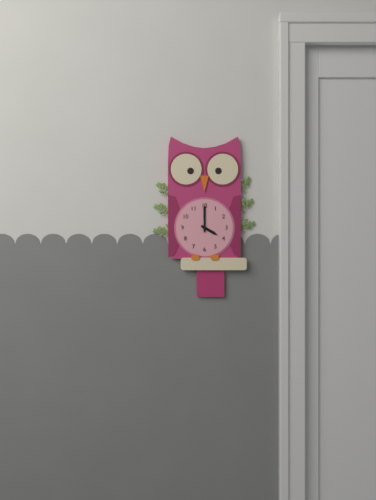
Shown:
4 h 00 min
